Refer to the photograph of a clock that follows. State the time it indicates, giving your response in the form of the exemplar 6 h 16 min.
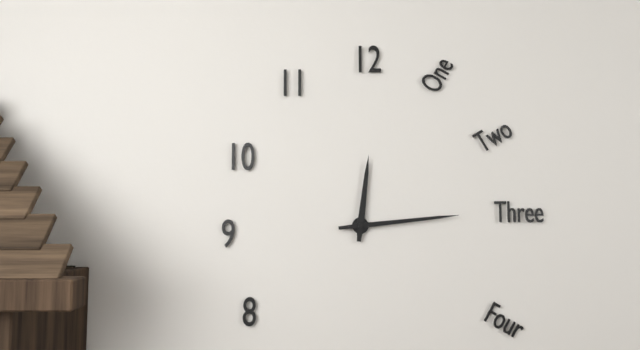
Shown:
12 h 14 min
